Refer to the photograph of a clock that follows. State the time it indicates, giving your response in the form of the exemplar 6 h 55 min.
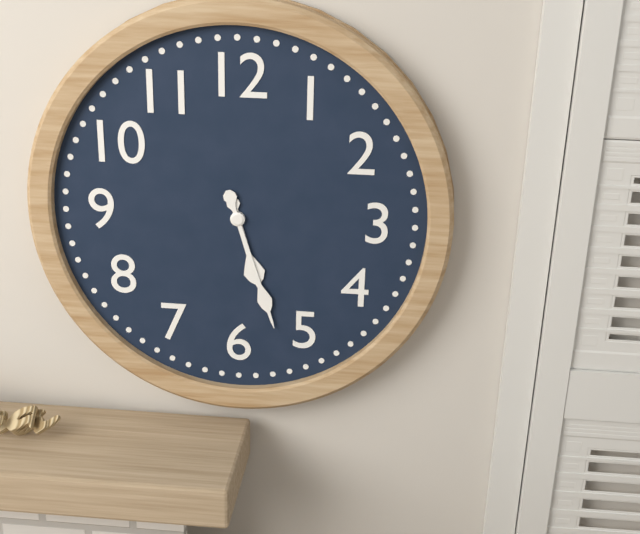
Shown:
5 h 27 min
